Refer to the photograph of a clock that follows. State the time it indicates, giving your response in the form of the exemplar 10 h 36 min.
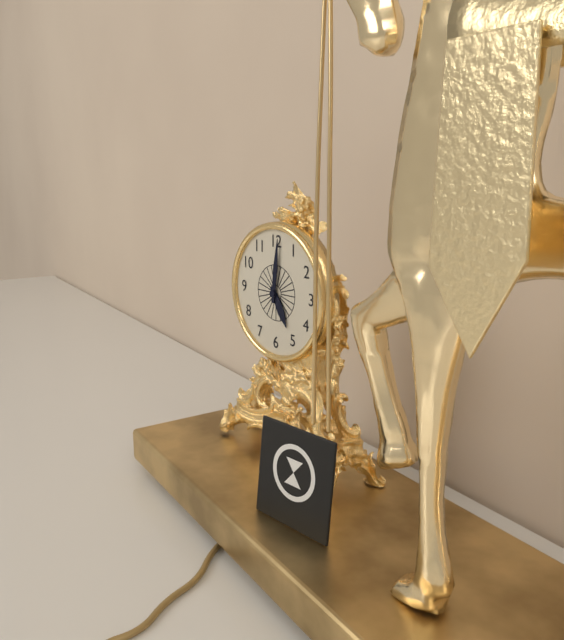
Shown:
5 h 01 min
